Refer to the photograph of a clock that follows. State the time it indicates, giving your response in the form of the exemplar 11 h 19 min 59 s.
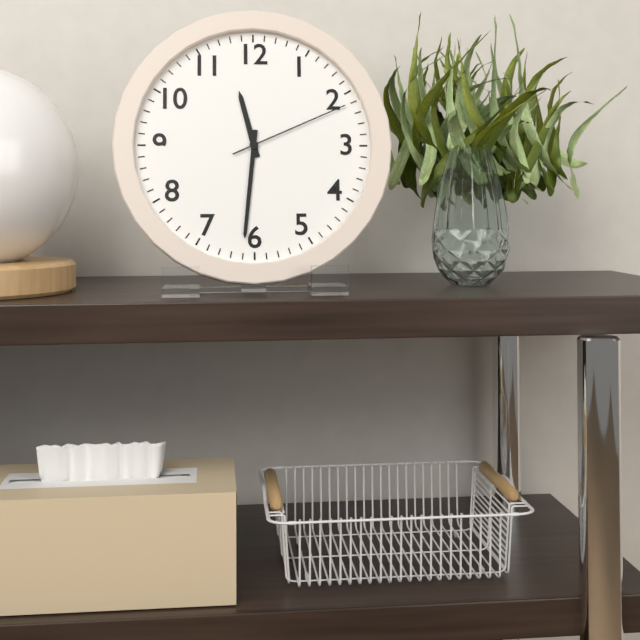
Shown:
11 h 31 min 11 s
